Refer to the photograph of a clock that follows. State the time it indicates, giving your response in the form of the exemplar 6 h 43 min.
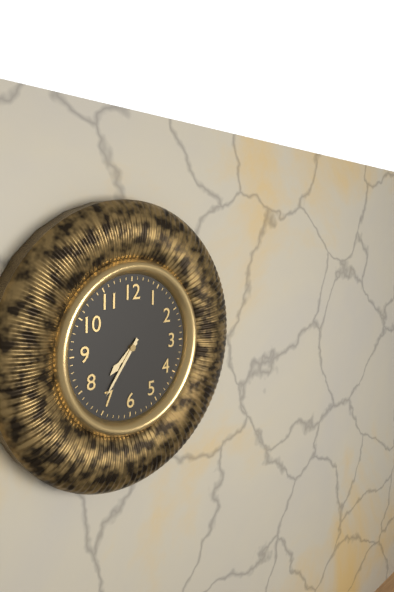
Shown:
7 h 36 min
